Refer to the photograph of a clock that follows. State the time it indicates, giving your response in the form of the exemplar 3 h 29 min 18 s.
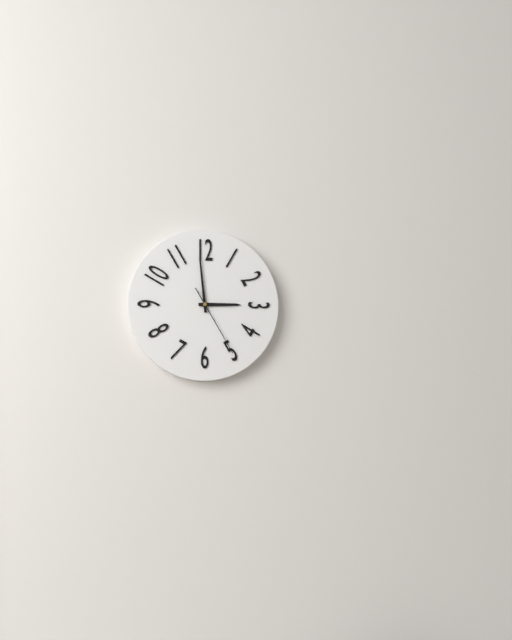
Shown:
2 h 59 min 25 s
